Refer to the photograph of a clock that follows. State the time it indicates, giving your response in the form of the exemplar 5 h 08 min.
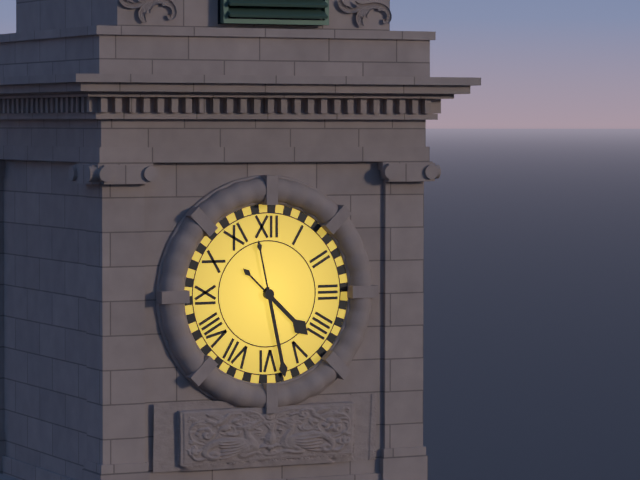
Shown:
4 h 28 min
